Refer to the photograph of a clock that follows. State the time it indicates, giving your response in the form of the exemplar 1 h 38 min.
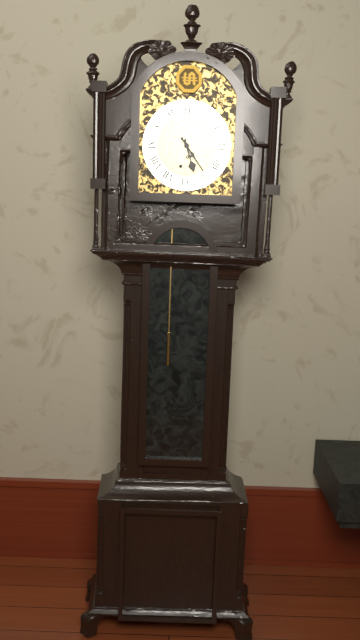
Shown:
5 h 24 min
